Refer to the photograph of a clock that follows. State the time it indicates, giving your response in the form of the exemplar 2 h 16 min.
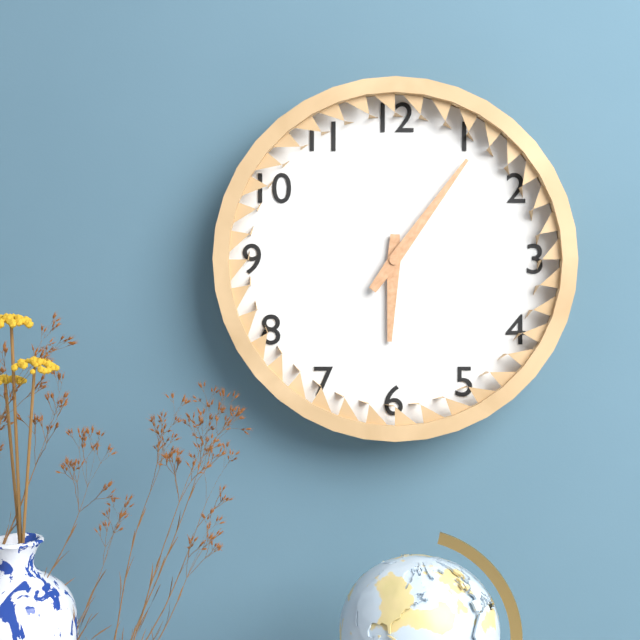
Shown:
6 h 06 min
